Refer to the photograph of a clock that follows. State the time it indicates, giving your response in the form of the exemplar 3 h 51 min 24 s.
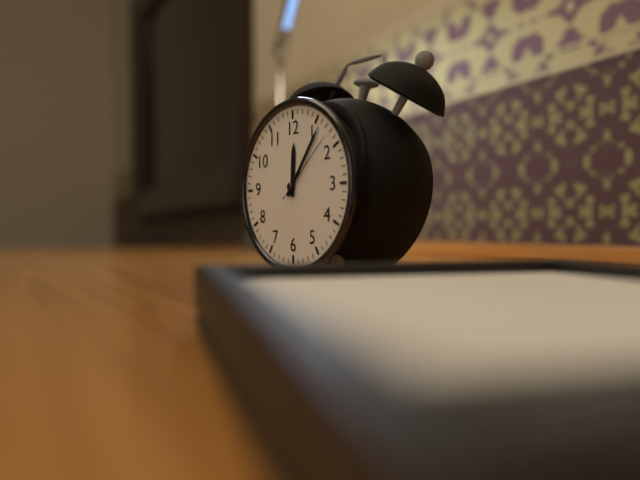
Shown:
12 h 06 min 08 s
